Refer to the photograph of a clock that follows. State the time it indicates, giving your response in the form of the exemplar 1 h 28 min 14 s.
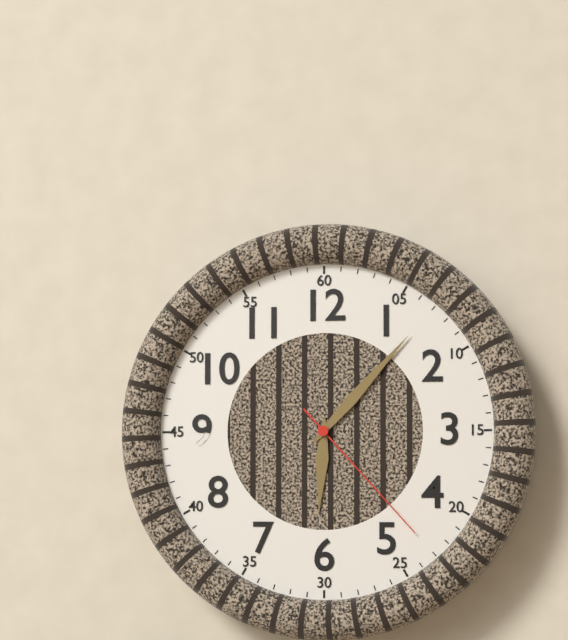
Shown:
6 h 07 min 23 s
